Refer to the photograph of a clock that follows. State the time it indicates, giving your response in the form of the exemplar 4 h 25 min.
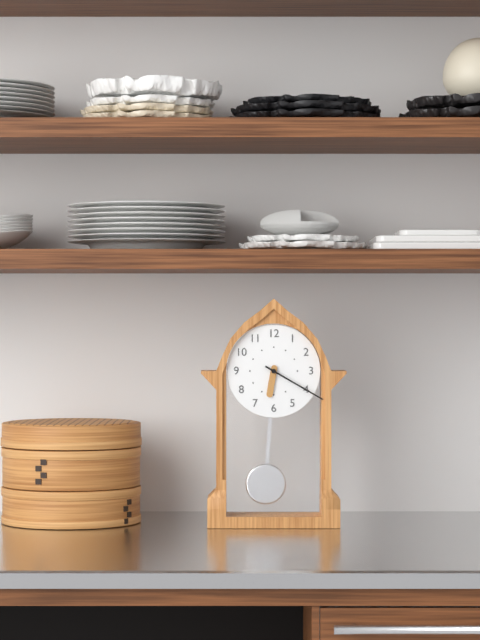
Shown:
6 h 20 min
